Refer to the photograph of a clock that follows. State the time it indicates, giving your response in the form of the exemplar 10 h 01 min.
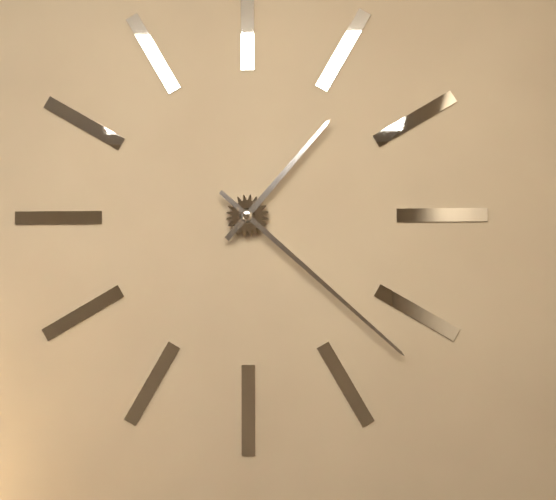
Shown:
1 h 22 min
